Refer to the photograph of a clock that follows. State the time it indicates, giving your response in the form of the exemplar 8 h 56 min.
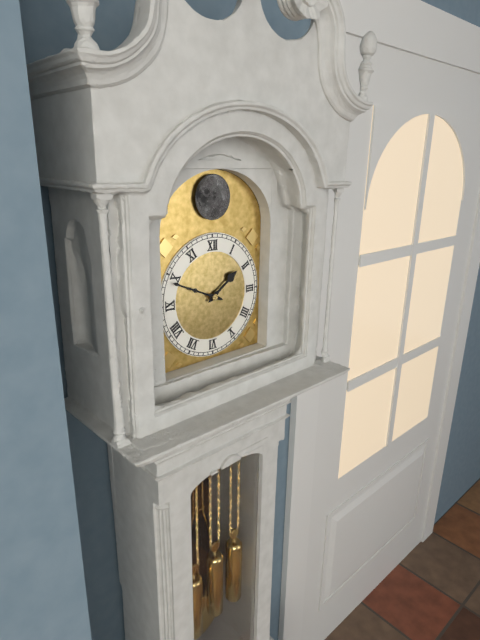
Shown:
1 h 49 min
